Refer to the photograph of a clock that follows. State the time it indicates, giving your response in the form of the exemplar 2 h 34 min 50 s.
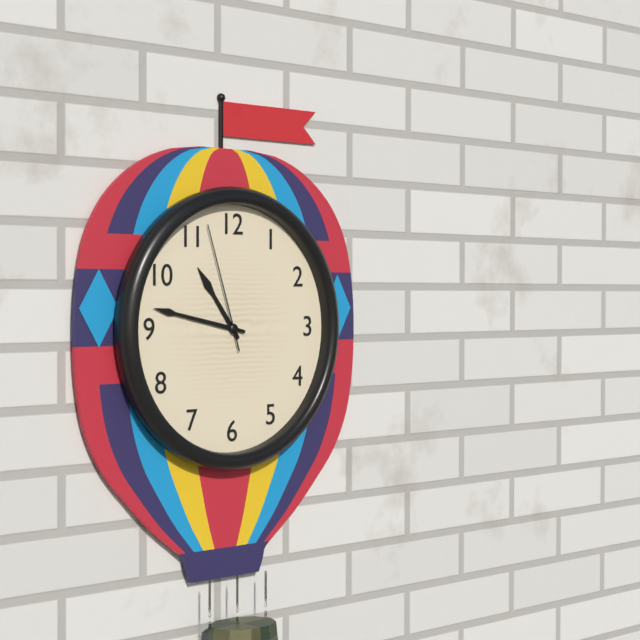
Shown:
10 h 47 min 57 s
